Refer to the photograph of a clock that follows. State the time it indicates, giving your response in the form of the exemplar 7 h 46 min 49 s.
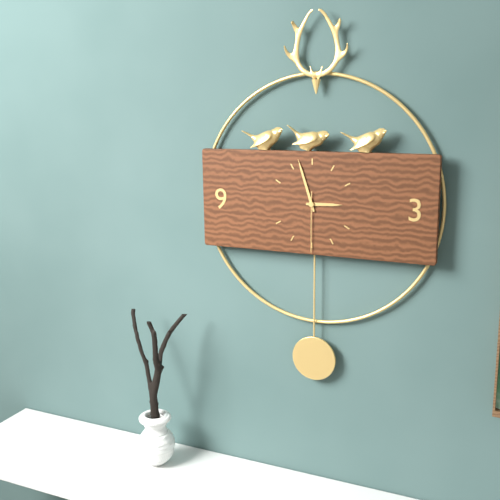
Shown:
2 h 57 min 30 s
